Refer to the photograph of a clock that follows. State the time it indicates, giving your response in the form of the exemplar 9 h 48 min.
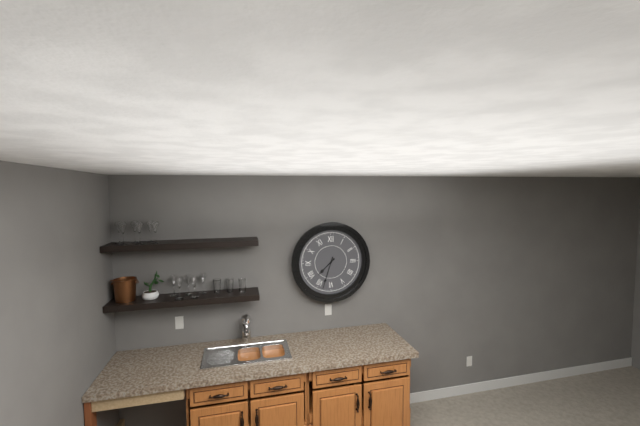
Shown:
7 h 33 min
